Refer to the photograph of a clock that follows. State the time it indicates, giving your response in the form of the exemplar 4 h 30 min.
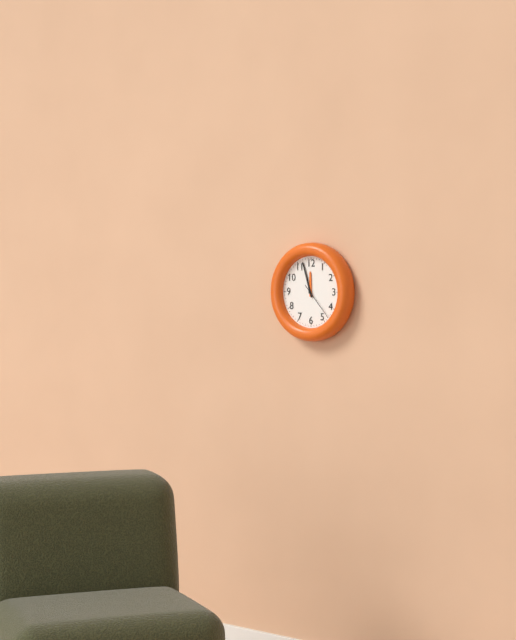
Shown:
11 h 57 min
